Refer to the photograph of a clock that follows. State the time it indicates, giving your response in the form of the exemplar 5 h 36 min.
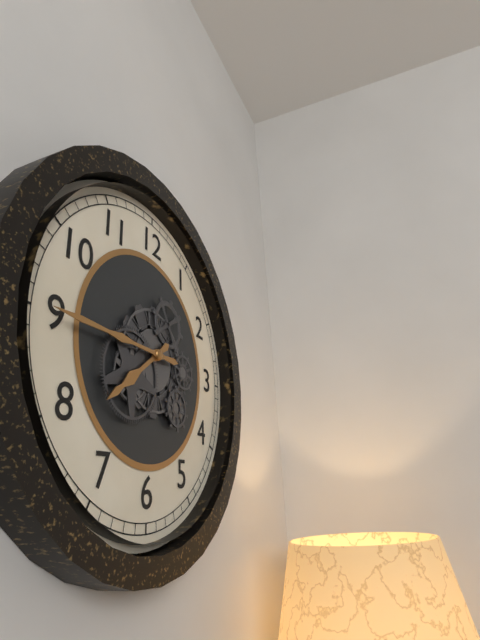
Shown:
7 h 45 min
